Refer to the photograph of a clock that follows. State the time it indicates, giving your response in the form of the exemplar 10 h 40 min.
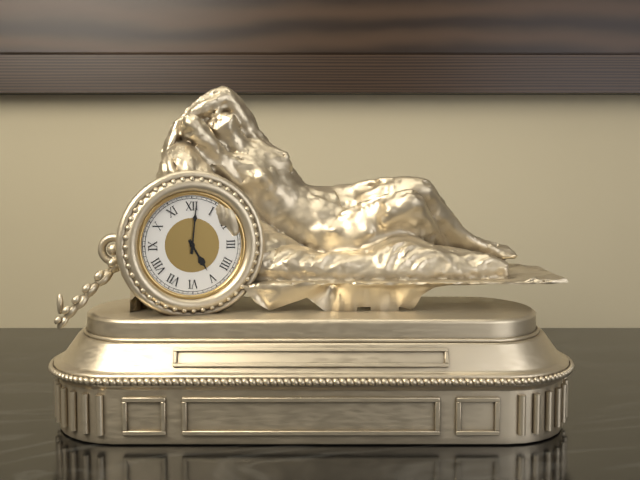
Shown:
5 h 01 min
